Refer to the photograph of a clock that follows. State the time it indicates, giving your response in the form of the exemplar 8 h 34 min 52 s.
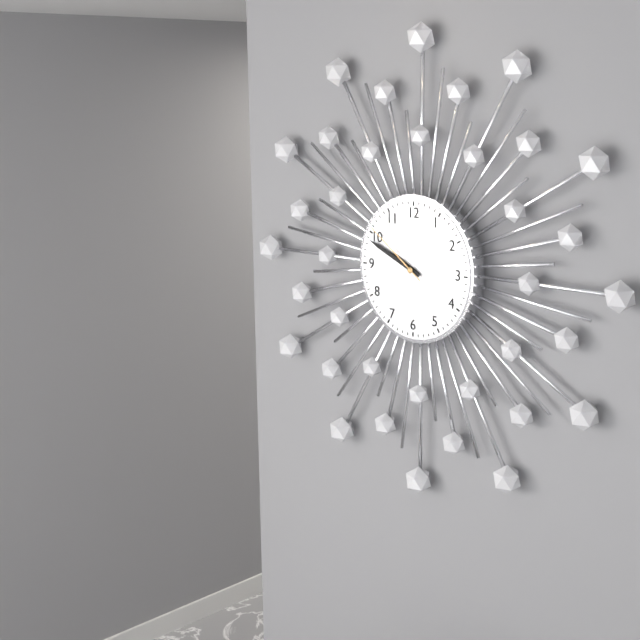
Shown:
9 h 49 min 51 s
